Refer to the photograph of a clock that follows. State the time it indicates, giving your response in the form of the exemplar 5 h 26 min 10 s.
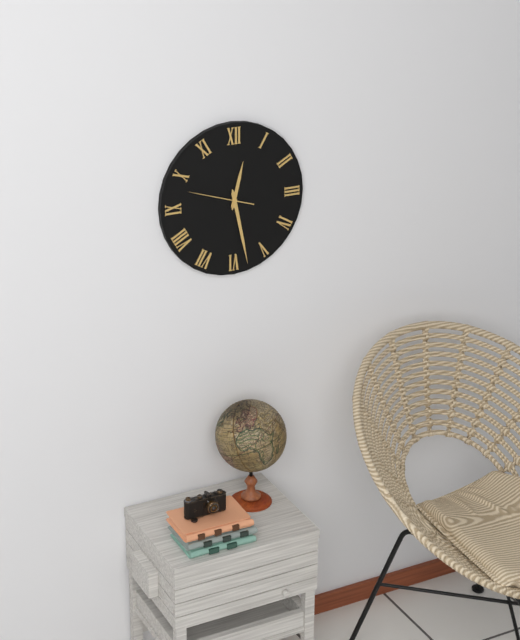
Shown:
12 h 28 min 48 s
